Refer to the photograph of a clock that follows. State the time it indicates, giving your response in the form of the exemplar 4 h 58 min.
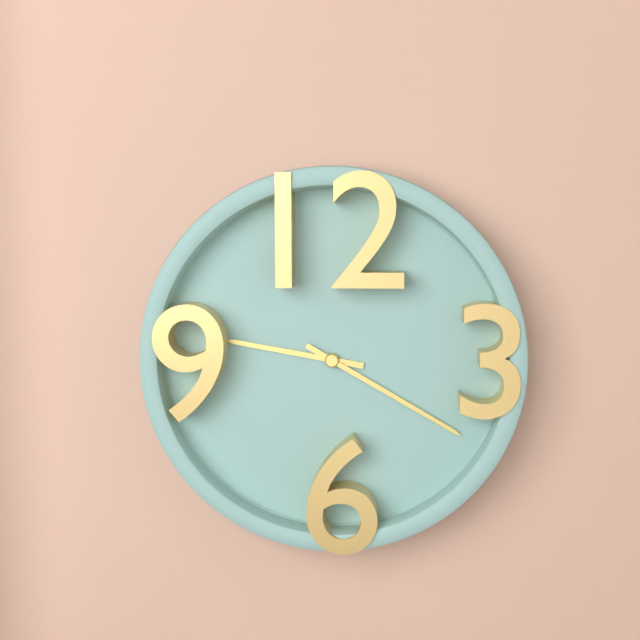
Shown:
9 h 20 min
